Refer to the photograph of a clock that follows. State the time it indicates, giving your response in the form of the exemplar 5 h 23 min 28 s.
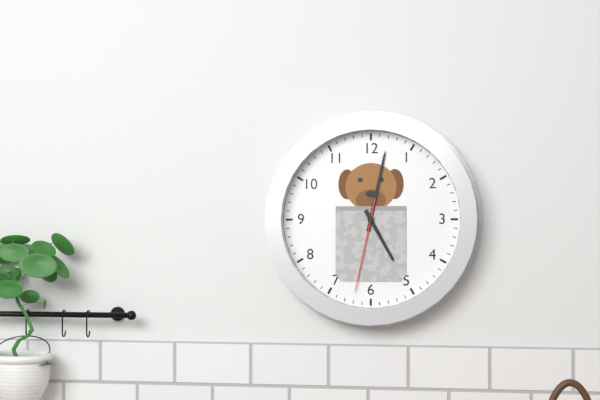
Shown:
5 h 02 min 32 s
